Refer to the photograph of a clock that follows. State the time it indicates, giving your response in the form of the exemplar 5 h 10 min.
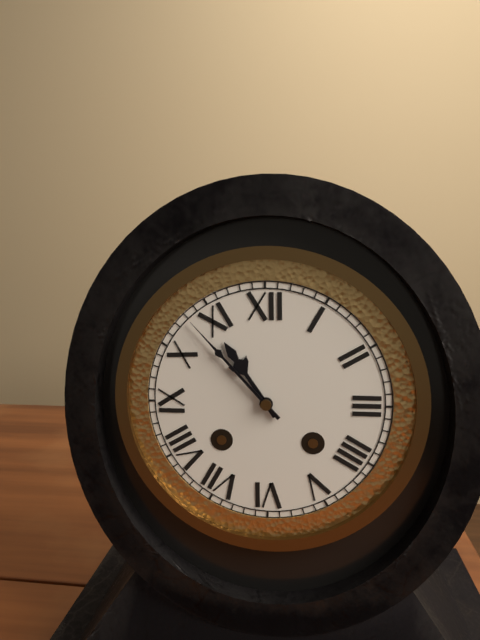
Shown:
10 h 53 min
